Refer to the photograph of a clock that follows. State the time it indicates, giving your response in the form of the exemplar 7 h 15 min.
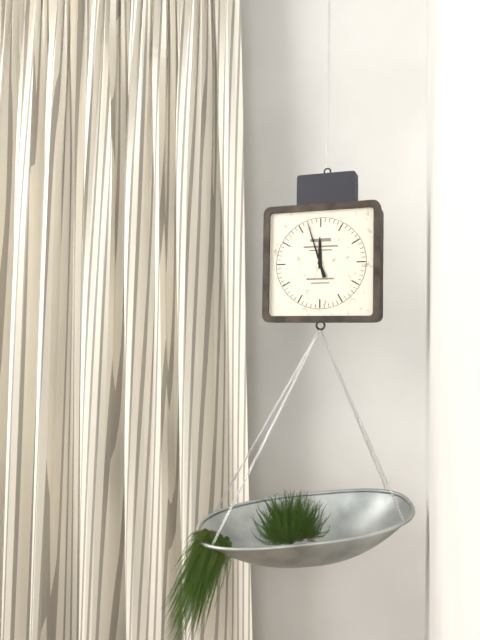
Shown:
11 h 57 min
